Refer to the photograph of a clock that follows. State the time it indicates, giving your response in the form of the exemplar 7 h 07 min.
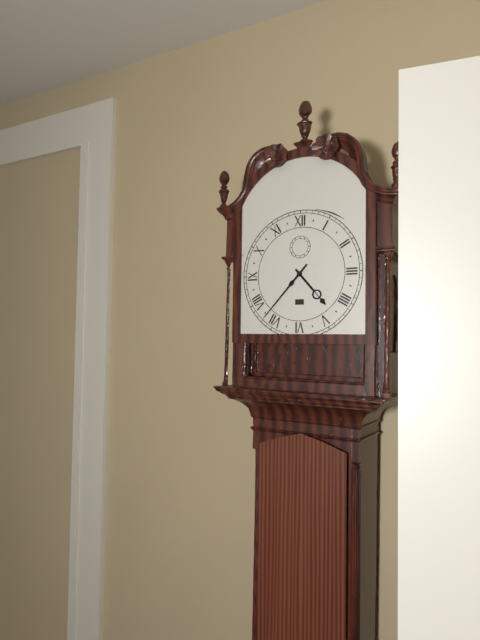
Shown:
4 h 37 min
